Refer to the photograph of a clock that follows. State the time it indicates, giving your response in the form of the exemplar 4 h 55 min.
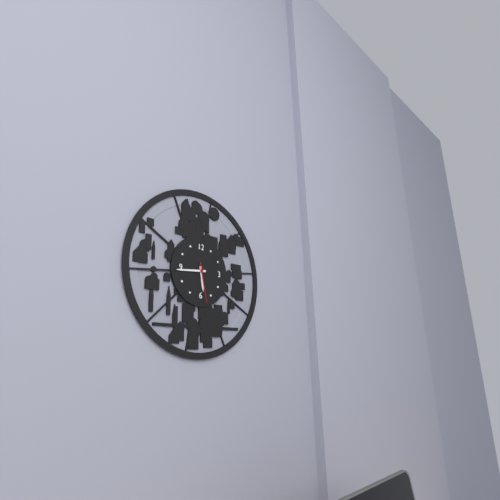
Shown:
5 h 44 min
